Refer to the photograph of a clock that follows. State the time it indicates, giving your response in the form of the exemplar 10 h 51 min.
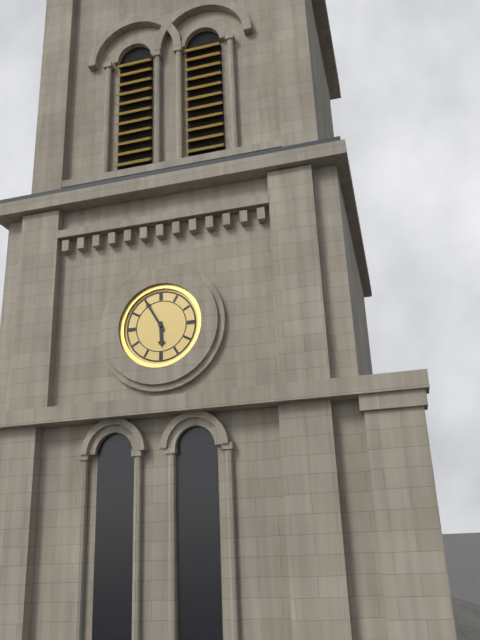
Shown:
5 h 55 min
